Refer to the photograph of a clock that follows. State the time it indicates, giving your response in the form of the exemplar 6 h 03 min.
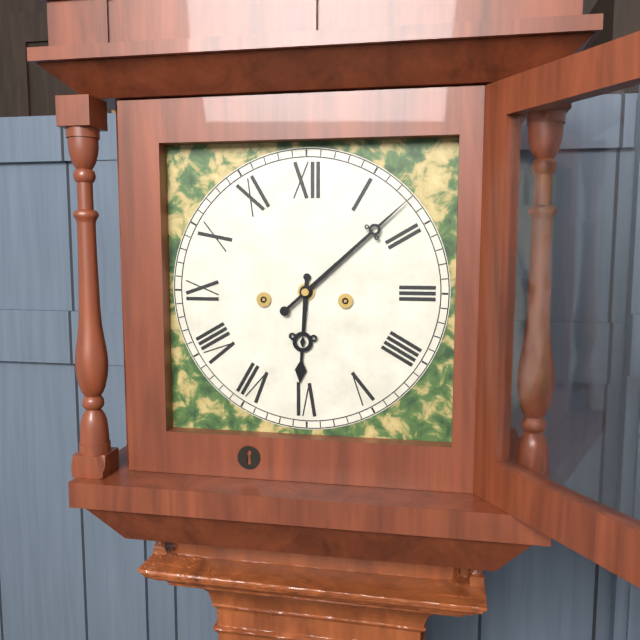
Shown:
6 h 08 min
